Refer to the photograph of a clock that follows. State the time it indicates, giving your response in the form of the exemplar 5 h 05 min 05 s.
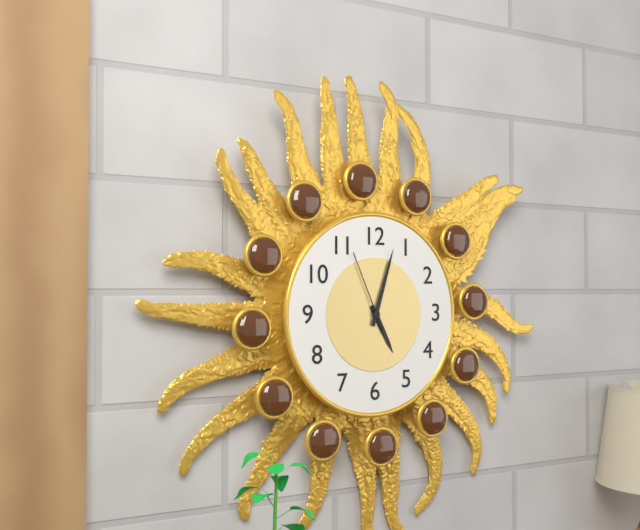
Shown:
5 h 03 min 56 s
